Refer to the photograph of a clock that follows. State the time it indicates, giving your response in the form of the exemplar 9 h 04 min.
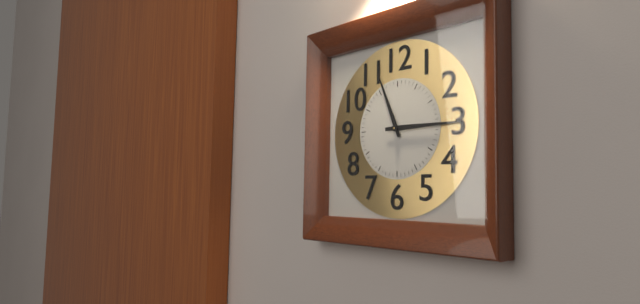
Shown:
11 h 15 min
